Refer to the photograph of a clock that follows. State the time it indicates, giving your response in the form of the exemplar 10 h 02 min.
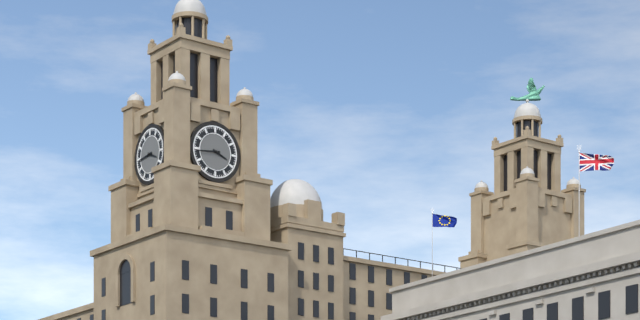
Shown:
3 h 44 min
